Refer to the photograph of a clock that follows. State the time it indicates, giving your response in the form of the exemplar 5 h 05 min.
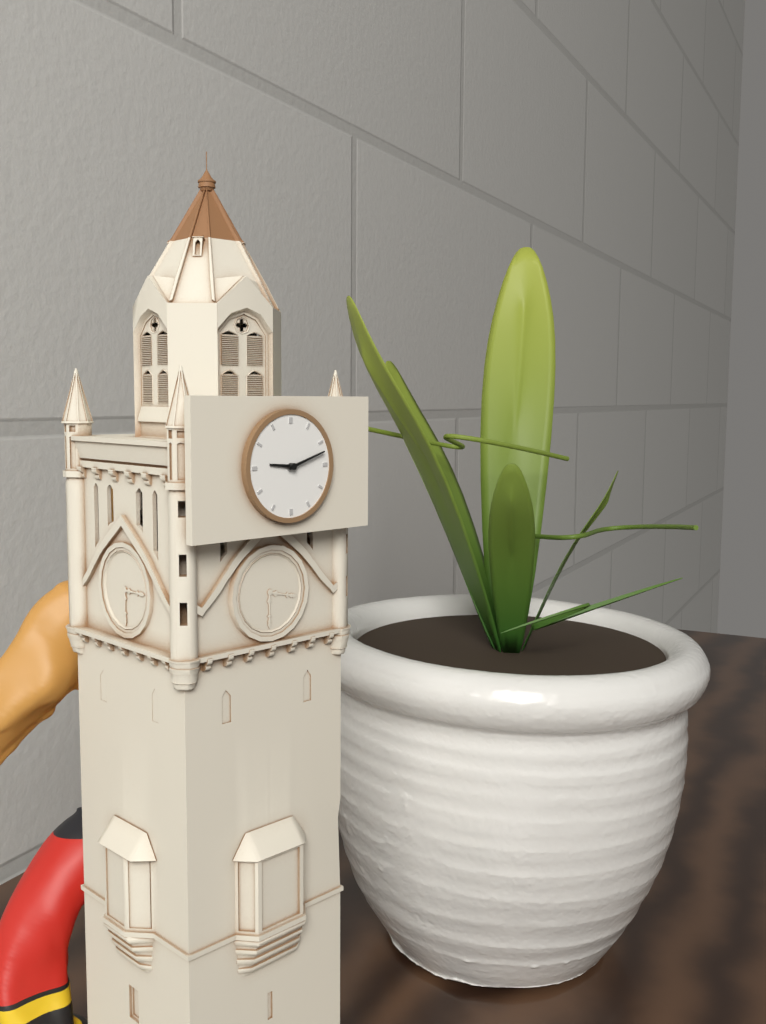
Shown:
9 h 12 min
